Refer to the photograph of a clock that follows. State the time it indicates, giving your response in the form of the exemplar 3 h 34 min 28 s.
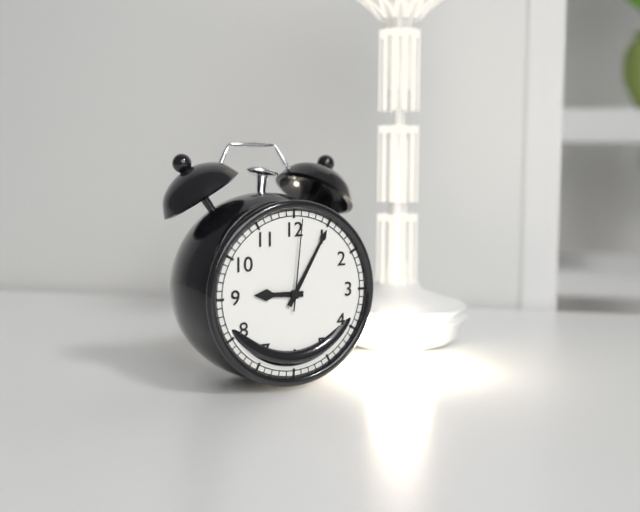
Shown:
9 h 05 min 01 s
